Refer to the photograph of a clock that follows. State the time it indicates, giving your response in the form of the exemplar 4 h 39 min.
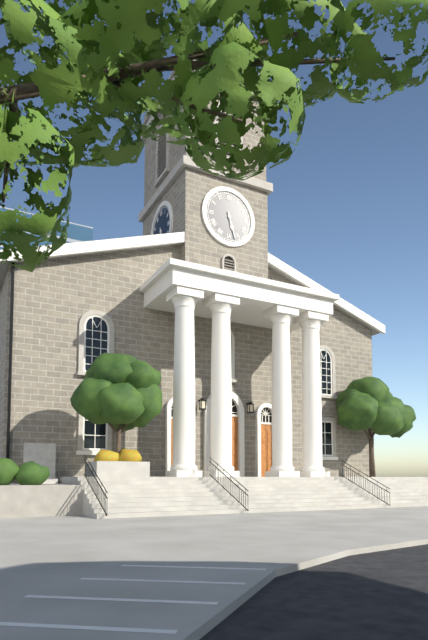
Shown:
5 h 27 min
